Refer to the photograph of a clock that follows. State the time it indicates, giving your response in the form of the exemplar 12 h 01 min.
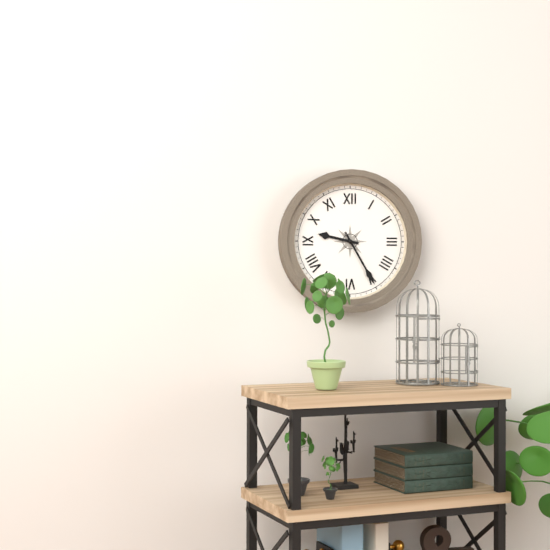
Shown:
9 h 25 min
